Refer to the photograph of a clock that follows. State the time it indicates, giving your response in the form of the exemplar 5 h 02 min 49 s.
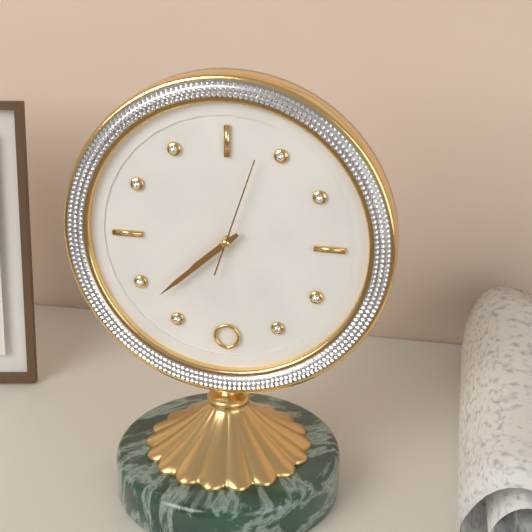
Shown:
7 h 38 min 03 s
